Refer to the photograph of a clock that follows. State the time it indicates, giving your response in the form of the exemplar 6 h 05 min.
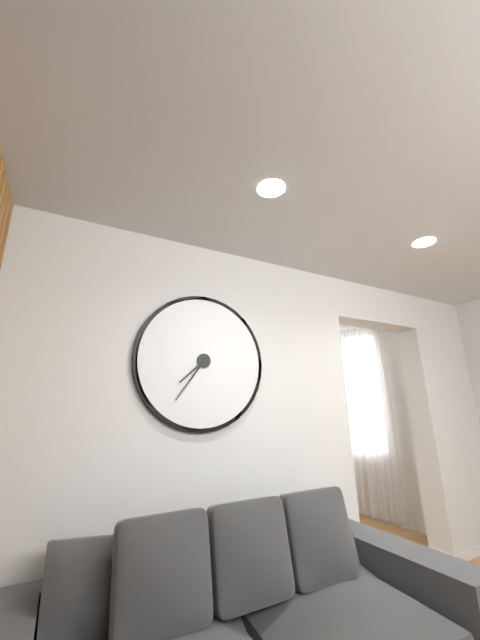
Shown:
7 h 36 min
